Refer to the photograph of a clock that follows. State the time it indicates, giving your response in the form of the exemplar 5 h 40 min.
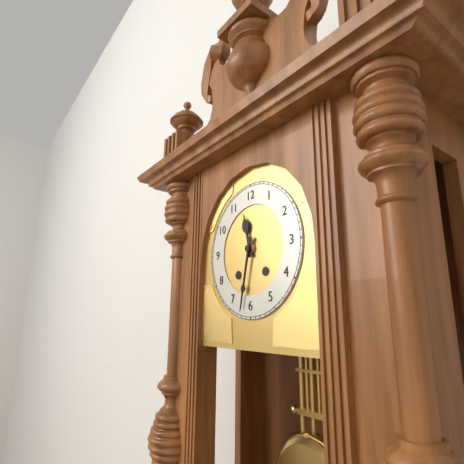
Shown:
11 h 32 min
